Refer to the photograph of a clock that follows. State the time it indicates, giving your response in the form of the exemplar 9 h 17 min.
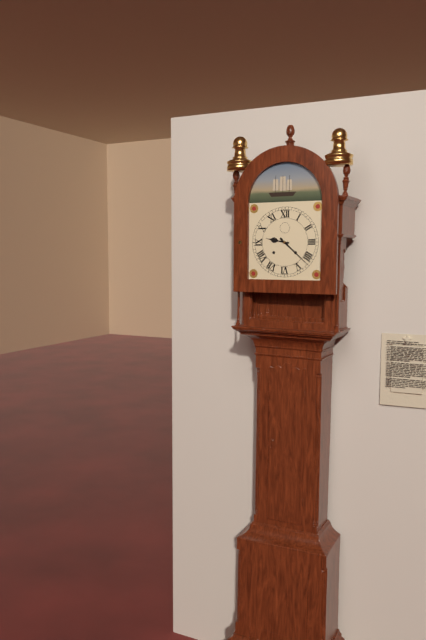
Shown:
9 h 22 min
